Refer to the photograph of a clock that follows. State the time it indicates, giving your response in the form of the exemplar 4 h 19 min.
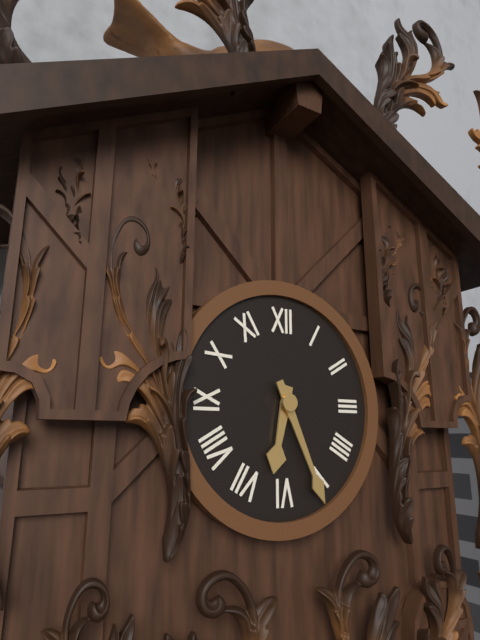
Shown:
6 h 26 min
